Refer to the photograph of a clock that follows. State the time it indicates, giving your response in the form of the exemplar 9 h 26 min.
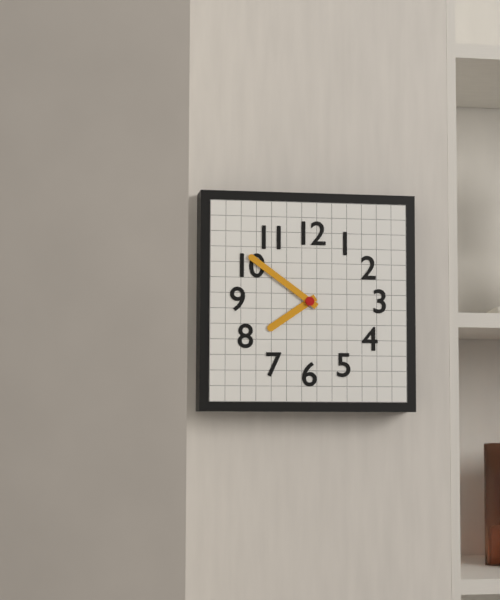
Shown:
7 h 51 min
